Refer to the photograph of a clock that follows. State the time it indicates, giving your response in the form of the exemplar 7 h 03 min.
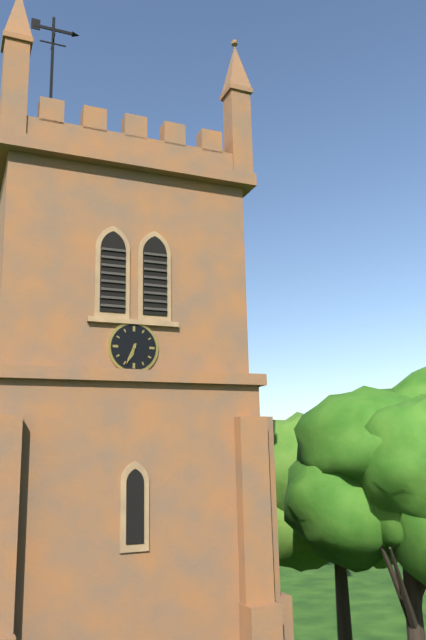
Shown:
6 h 34 min
